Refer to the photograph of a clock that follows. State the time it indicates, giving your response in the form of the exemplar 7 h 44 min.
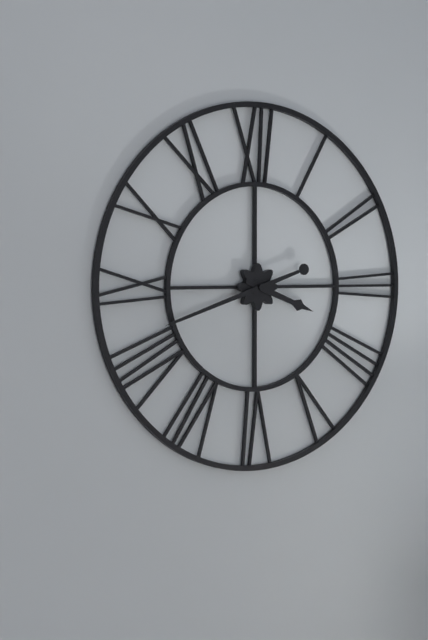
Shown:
3 h 42 min
